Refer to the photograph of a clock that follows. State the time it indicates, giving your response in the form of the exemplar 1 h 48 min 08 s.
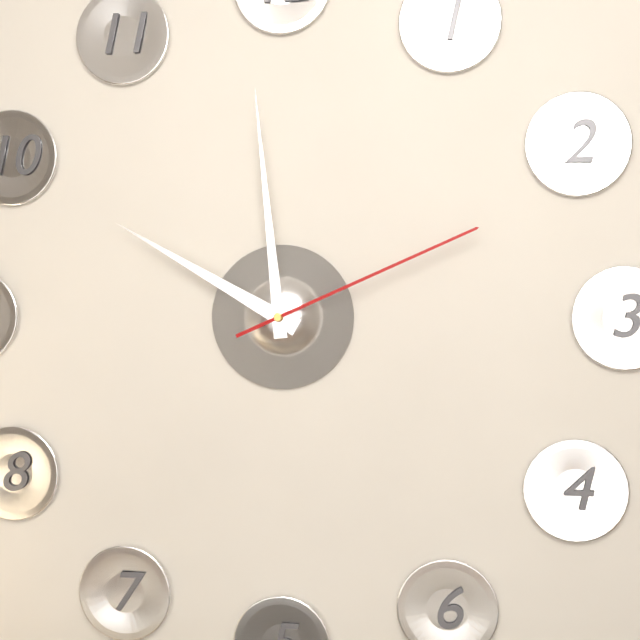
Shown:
9 h 59 min 11 s
